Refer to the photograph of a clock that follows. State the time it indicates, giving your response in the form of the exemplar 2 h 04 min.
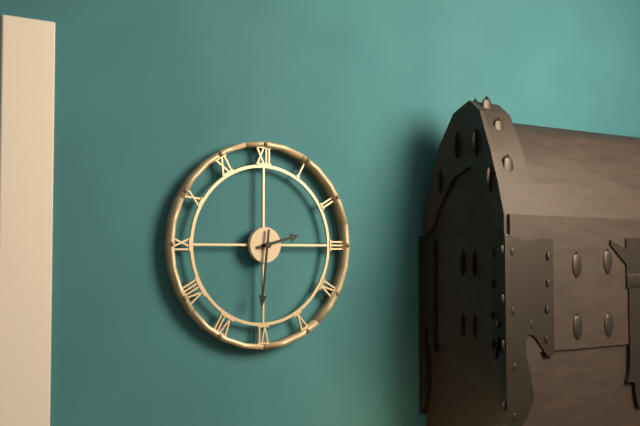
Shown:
2 h 31 min
